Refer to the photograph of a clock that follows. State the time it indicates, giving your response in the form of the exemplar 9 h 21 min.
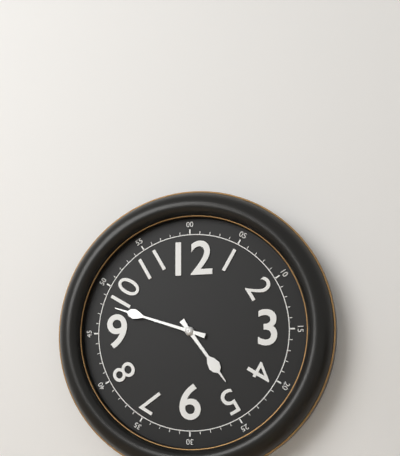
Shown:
4 h 48 min
